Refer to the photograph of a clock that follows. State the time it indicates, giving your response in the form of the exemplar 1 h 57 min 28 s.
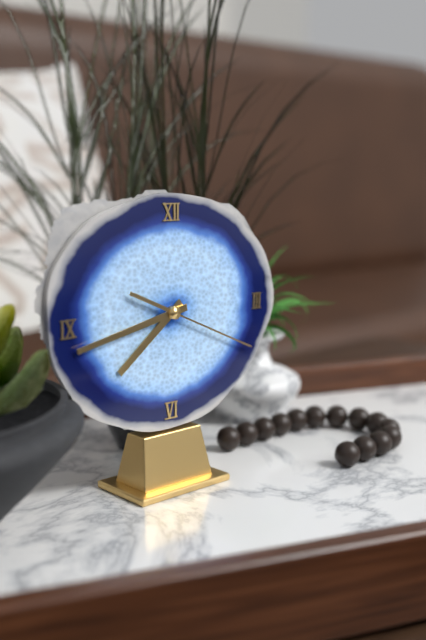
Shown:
7 h 43 min 19 s
